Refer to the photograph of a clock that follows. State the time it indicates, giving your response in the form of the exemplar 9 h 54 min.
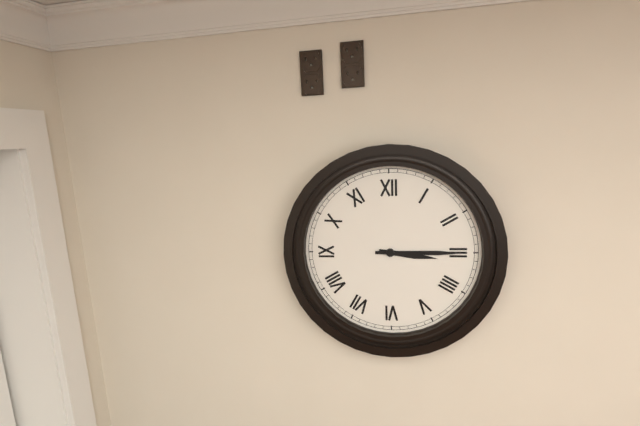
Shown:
3 h 15 min
